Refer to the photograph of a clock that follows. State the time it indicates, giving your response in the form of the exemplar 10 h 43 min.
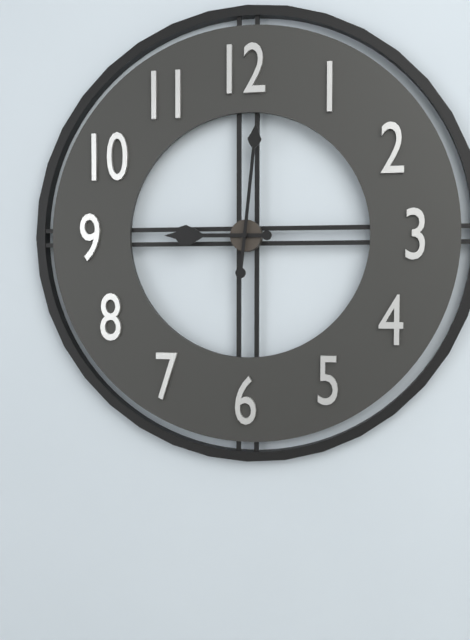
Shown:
9 h 01 min
